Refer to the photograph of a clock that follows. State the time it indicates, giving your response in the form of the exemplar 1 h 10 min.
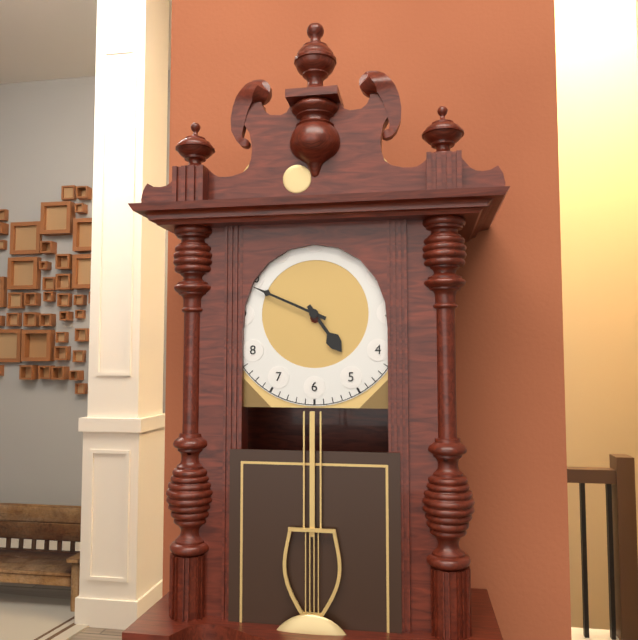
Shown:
4 h 49 min
